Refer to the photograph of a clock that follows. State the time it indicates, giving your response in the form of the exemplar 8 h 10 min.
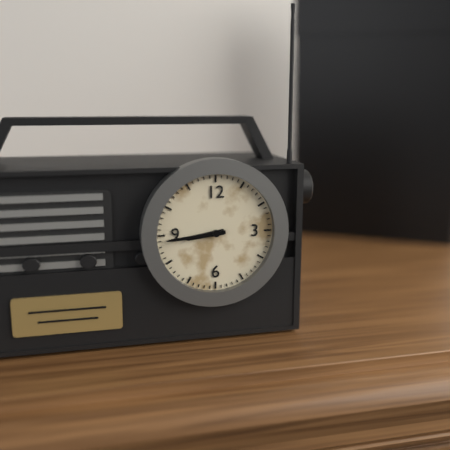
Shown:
8 h 44 min
